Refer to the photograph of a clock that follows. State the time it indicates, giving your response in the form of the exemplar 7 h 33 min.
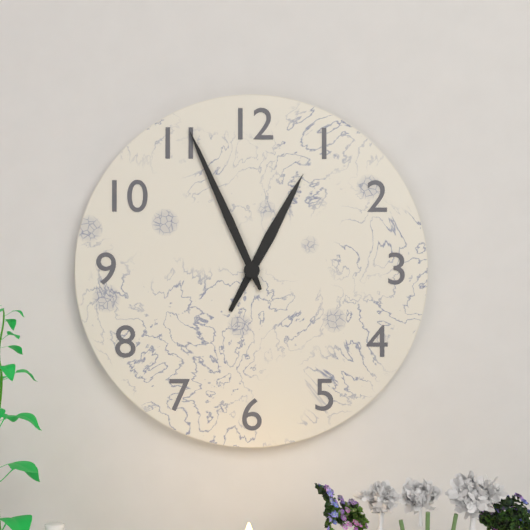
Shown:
12 h 56 min
